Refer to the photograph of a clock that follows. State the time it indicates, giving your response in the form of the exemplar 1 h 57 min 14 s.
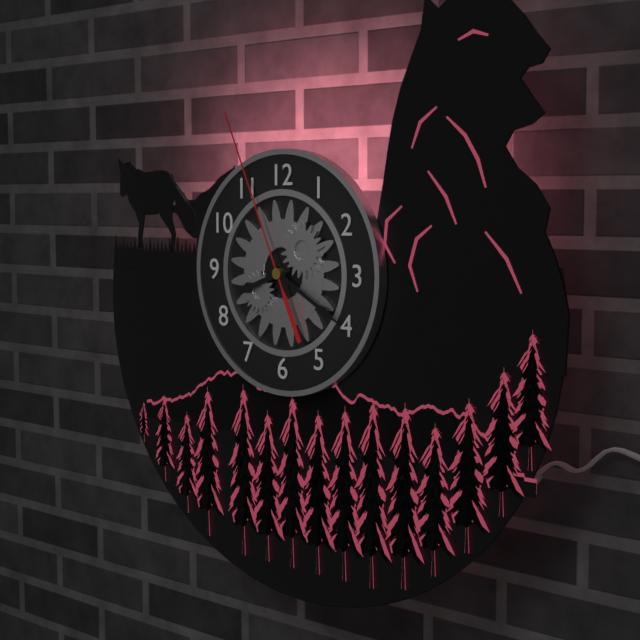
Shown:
8 h 20 min 56 s
